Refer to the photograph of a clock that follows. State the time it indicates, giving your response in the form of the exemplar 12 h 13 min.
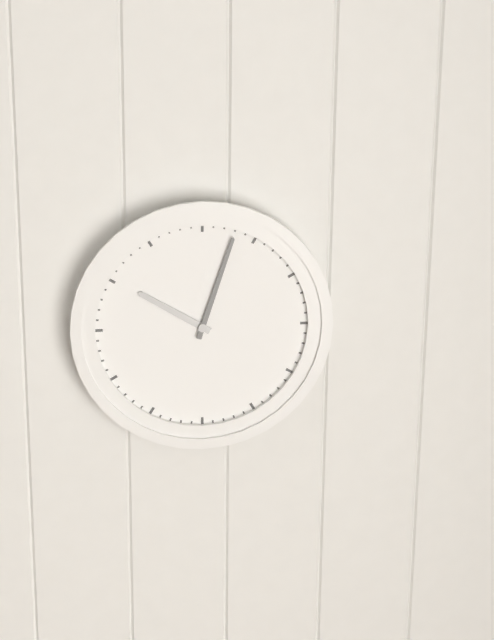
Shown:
10 h 03 min
